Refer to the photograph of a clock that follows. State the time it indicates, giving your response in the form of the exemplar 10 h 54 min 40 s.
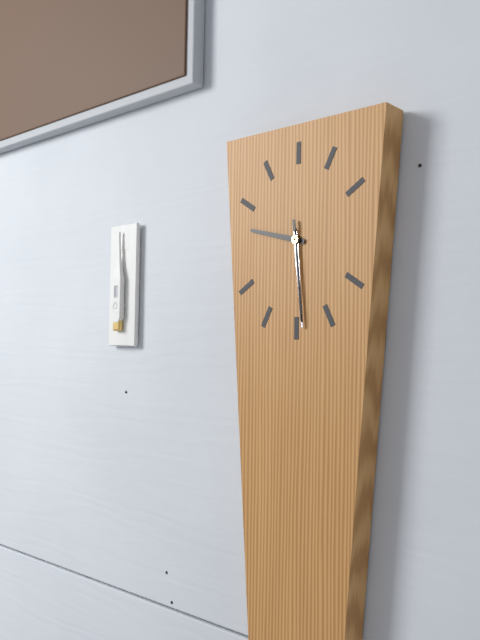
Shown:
9 h 29 min 29 s
